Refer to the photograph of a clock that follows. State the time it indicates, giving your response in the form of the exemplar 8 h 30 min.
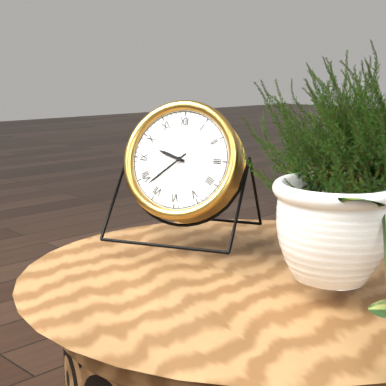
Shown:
9 h 38 min
